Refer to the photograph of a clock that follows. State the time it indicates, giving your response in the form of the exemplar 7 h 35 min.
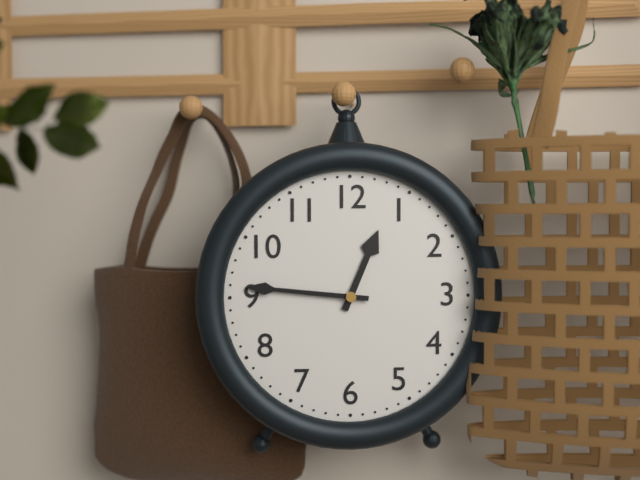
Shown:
12 h 46 min
